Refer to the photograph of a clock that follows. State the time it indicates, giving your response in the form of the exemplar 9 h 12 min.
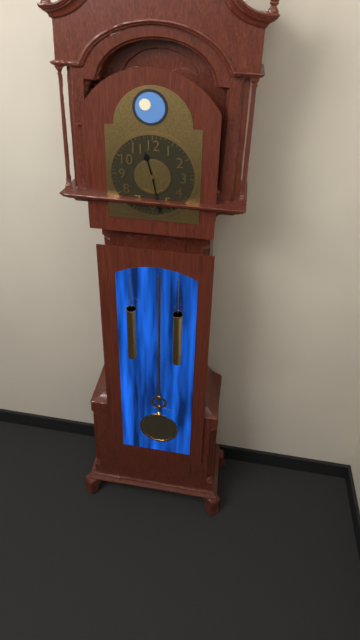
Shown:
11 h 28 min
